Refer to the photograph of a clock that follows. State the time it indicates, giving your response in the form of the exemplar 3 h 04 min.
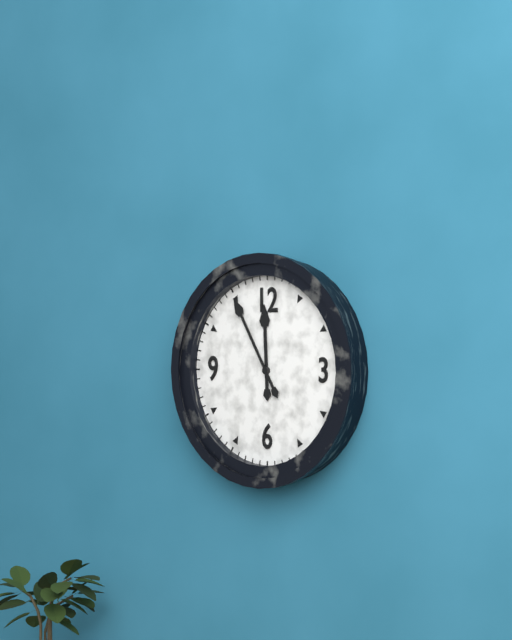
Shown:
11 h 55 min
